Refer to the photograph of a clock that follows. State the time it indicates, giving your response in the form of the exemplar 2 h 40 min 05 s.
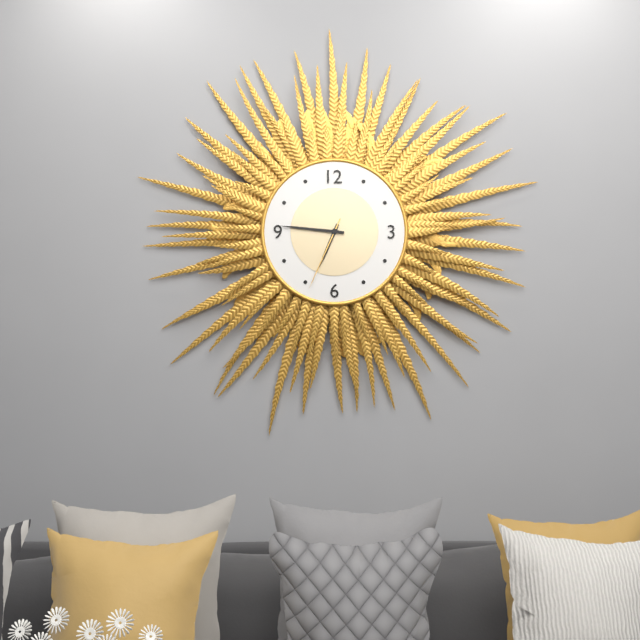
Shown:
6 h 46 min 34 s
